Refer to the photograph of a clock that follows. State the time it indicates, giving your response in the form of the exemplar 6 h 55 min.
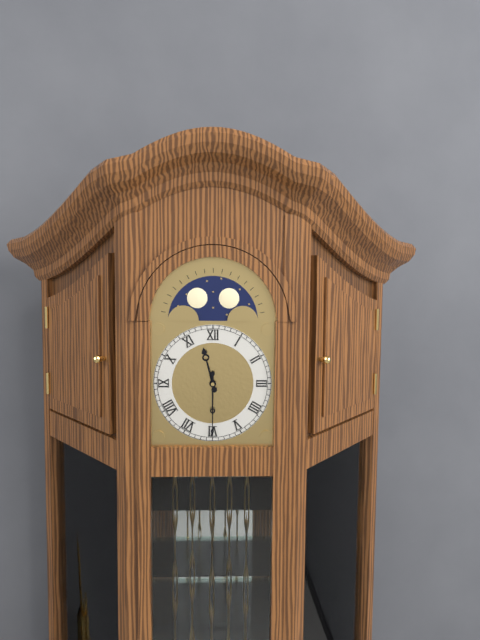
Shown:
11 h 30 min
